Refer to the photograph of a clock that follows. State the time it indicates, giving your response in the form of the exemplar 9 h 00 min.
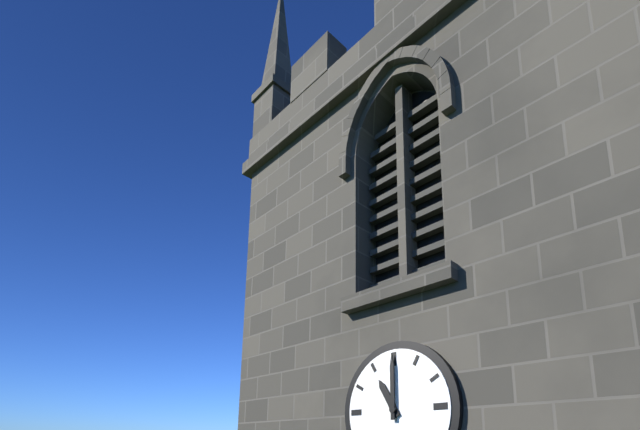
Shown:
11 h 00 min
